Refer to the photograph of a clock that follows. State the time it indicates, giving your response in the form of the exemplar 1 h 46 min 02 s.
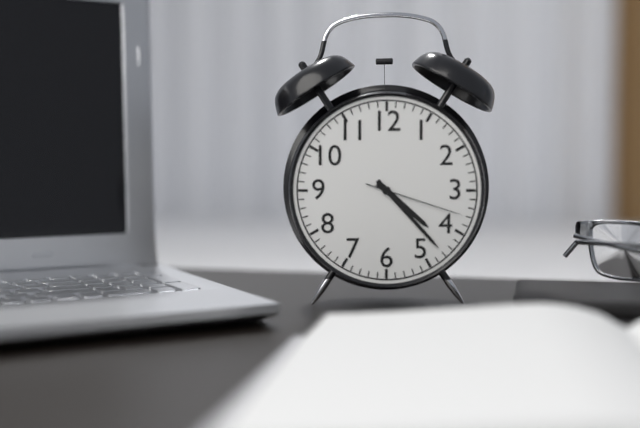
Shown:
4 h 23 min 18 s
